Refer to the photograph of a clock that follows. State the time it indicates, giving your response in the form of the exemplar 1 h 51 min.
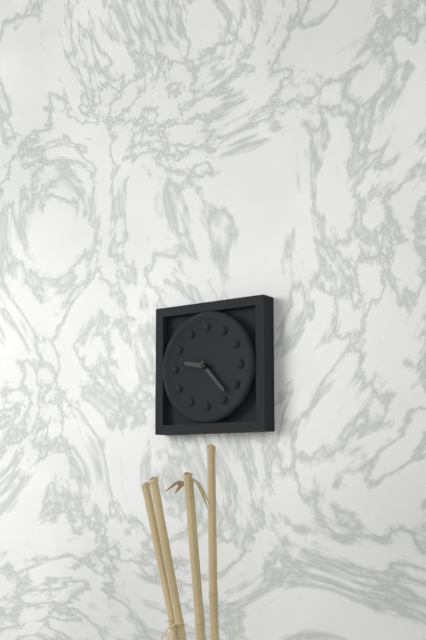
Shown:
9 h 23 min
